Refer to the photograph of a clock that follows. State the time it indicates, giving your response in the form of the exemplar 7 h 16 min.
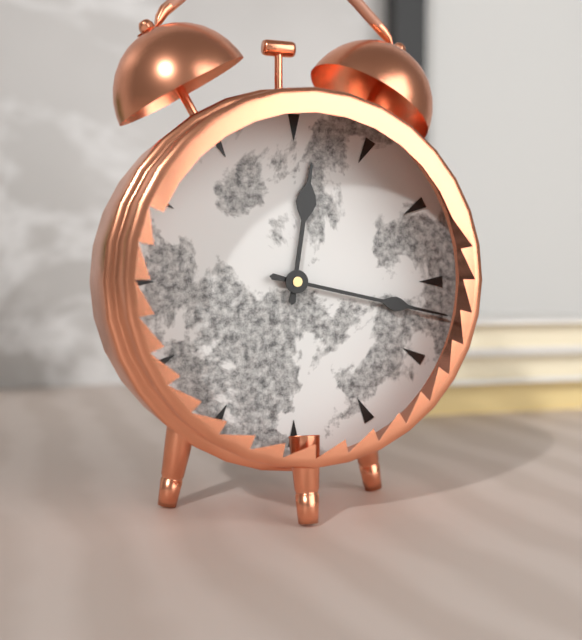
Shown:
12 h 17 min
